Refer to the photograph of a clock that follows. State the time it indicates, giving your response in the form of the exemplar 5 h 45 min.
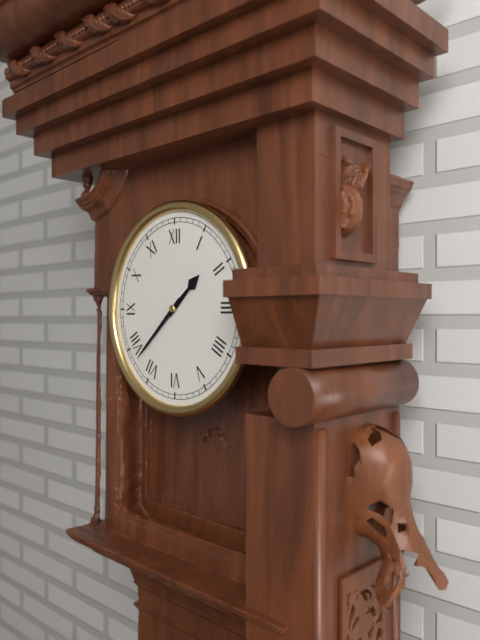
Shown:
1 h 38 min
